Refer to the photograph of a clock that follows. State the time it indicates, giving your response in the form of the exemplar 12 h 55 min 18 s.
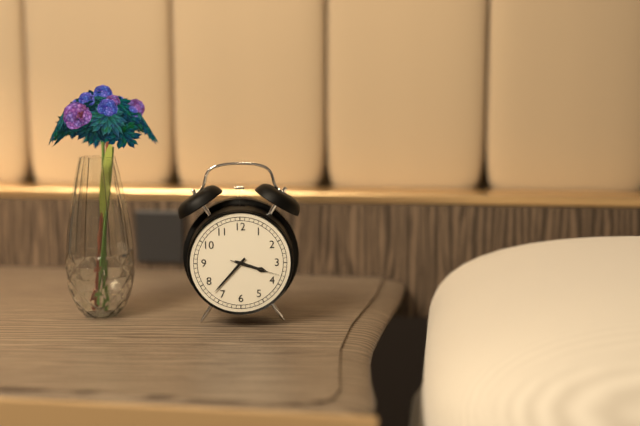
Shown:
3 h 37 min 18 s
